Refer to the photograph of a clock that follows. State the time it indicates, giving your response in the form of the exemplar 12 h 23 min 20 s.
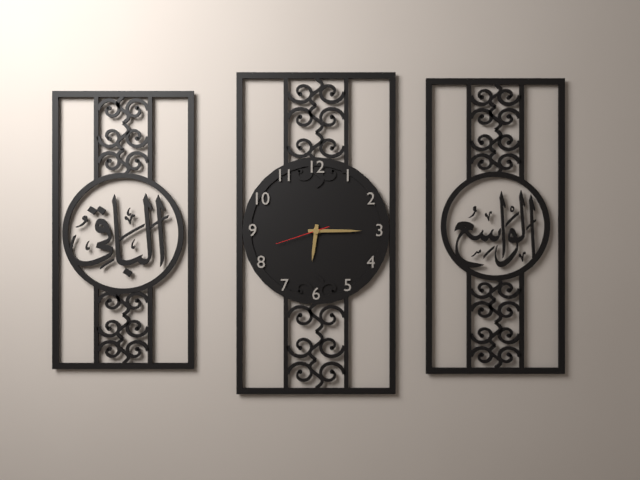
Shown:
6 h 15 min 42 s
